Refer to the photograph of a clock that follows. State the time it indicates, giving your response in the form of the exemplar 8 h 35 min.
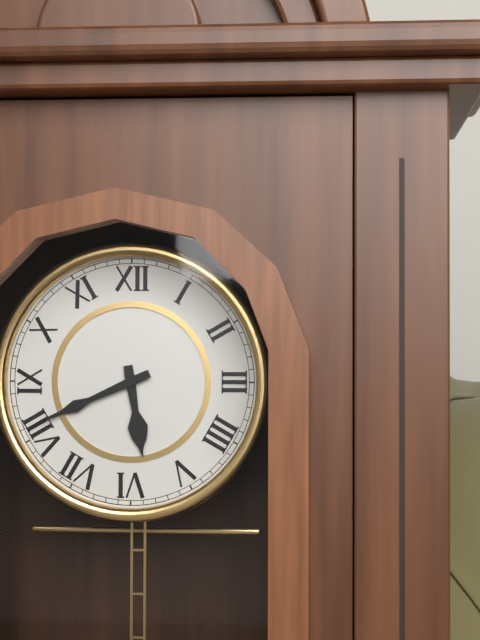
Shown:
5 h 41 min
